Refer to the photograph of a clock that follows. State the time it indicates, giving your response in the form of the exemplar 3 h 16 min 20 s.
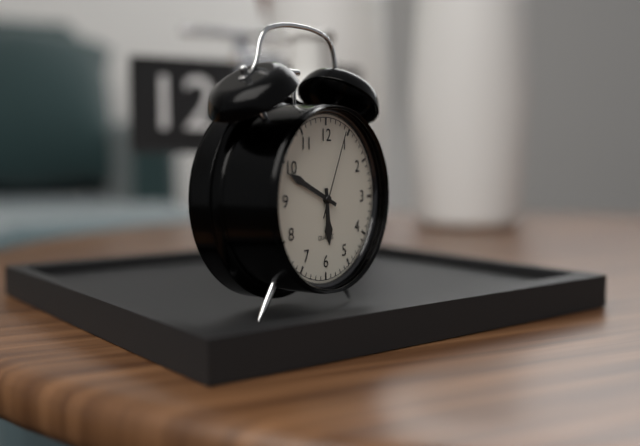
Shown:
5 h 49 min 04 s
